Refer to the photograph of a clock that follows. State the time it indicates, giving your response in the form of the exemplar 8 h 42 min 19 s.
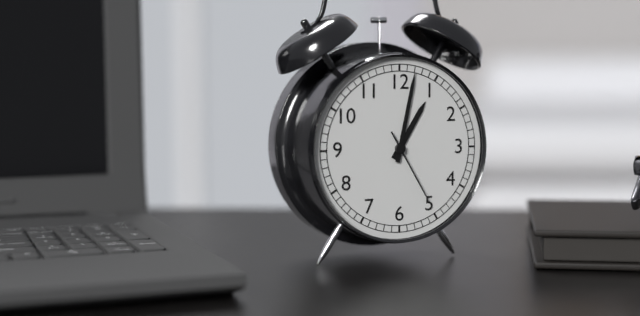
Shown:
1 h 02 min 25 s
